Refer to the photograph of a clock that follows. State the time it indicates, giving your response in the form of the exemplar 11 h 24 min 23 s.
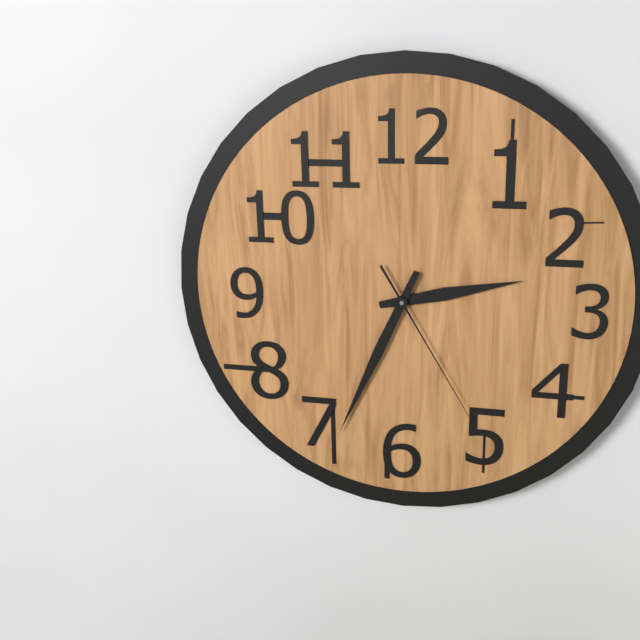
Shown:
2 h 34 min 25 s
